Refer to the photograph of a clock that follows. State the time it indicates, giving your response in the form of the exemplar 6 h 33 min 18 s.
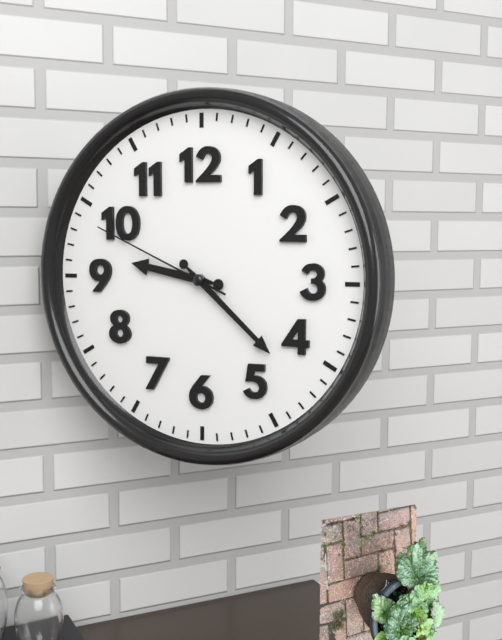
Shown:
9 h 22 min 49 s
